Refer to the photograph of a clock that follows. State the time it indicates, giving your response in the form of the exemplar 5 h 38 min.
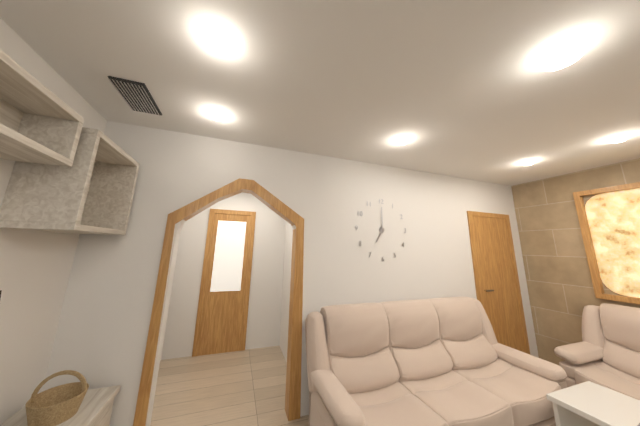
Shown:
7 h 00 min
